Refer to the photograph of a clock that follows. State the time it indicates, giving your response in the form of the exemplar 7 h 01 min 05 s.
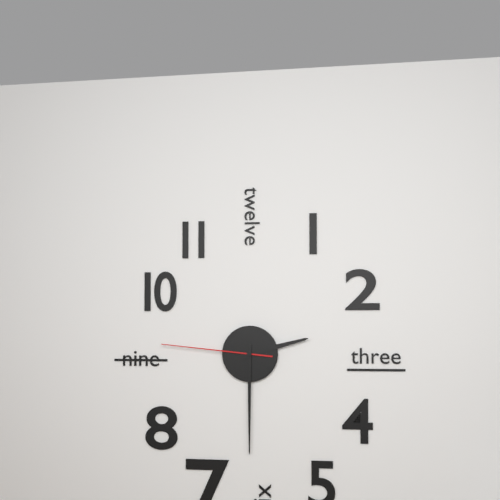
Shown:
2 h 30 min 46 s
